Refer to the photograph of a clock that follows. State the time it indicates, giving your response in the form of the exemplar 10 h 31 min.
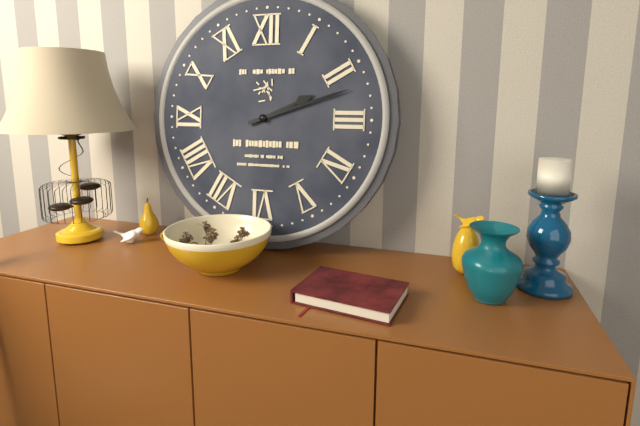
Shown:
2 h 12 min
